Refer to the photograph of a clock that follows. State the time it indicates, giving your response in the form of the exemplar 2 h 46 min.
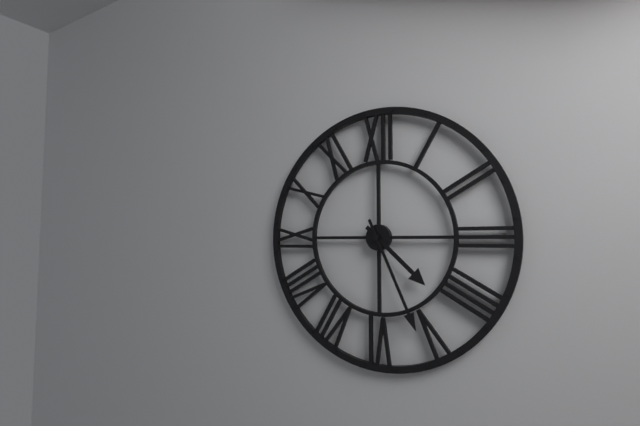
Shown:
4 h 26 min
